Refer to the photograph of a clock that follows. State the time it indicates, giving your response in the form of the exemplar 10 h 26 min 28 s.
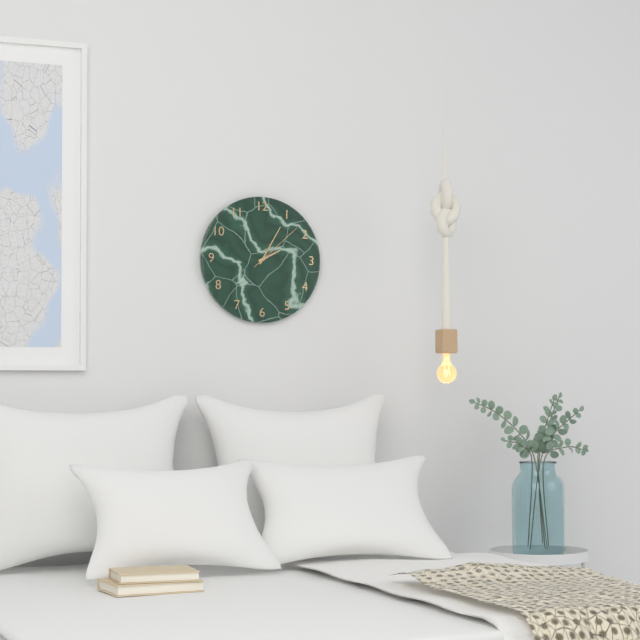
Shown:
2 h 05 min 08 s
